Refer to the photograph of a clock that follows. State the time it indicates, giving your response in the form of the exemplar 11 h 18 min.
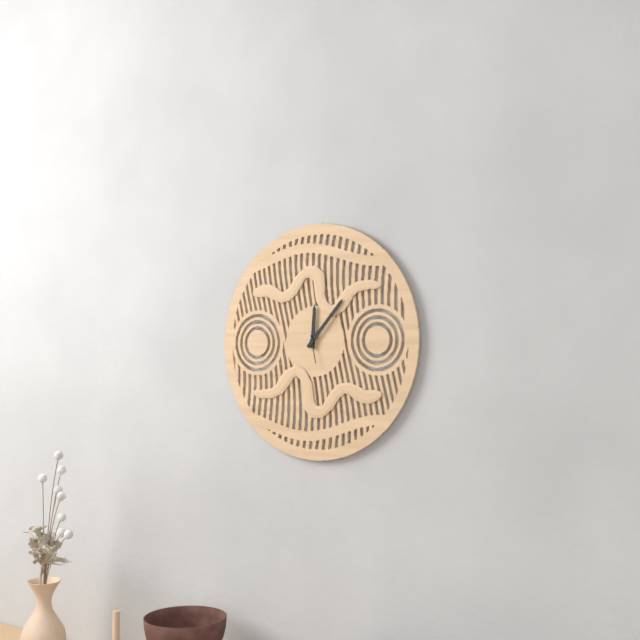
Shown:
12 h 07 min
